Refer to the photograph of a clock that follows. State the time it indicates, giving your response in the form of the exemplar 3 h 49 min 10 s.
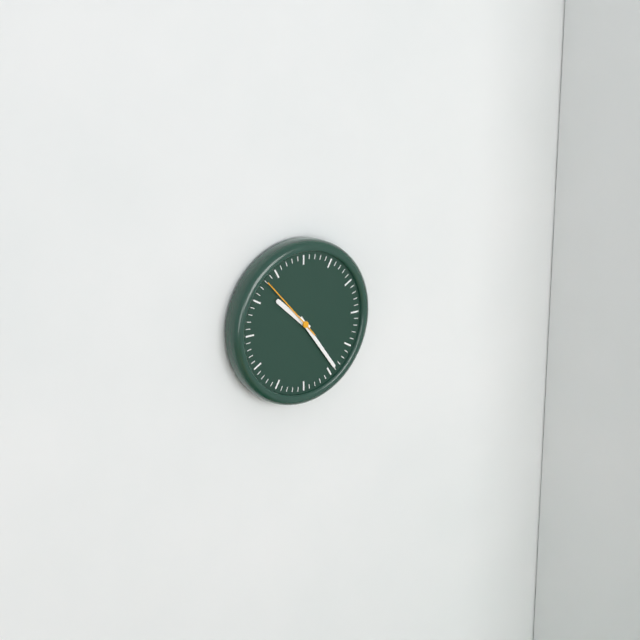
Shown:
10 h 24 min 53 s
